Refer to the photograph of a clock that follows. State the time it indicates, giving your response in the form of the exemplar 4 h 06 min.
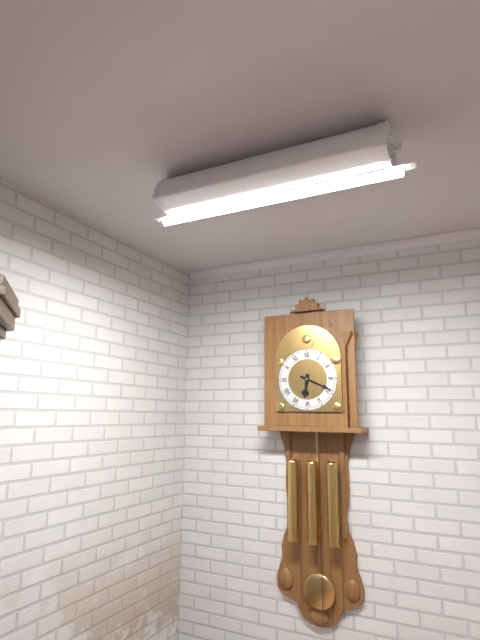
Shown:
6 h 19 min
